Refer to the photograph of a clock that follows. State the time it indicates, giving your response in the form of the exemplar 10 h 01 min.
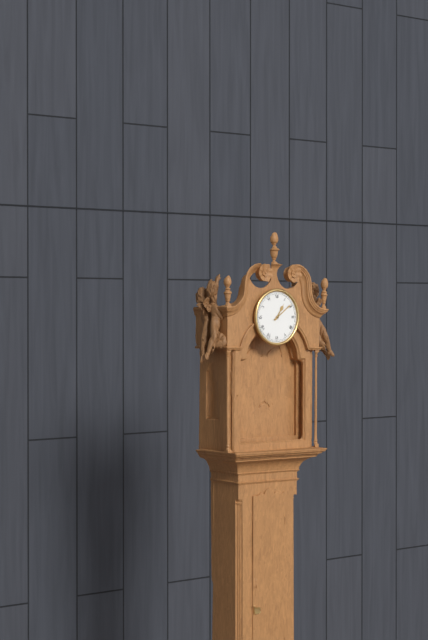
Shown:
1 h 09 min
